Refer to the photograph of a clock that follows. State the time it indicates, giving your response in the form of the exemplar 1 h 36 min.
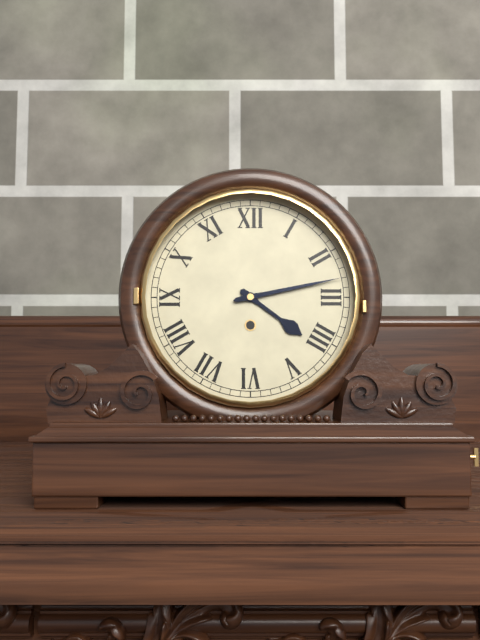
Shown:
4 h 13 min
